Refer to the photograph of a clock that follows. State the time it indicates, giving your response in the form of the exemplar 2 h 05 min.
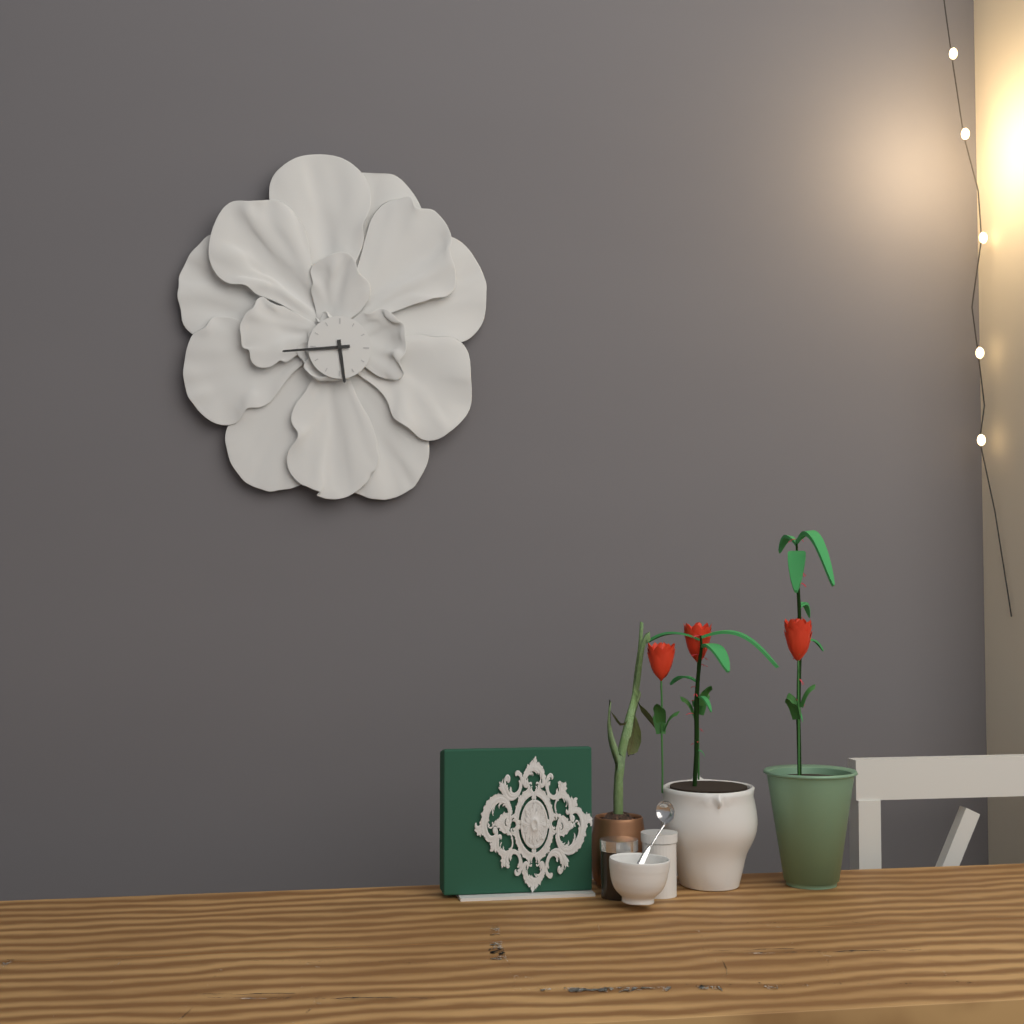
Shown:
5 h 44 min
